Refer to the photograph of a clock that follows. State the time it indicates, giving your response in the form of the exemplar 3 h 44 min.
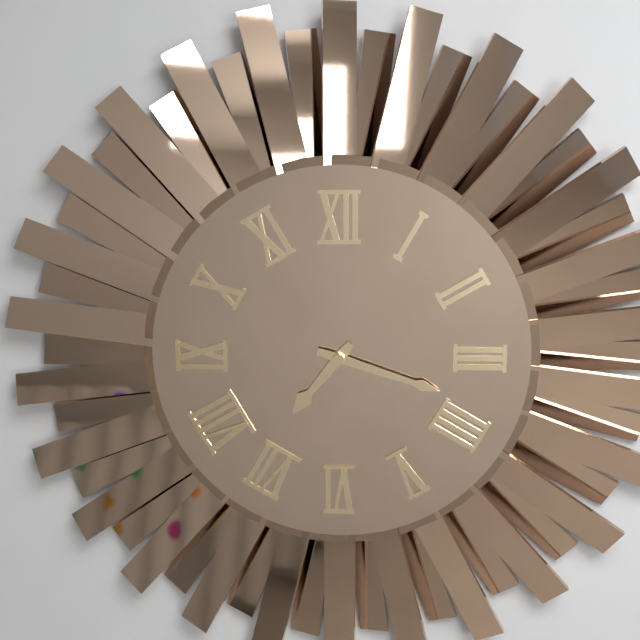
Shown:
7 h 18 min
